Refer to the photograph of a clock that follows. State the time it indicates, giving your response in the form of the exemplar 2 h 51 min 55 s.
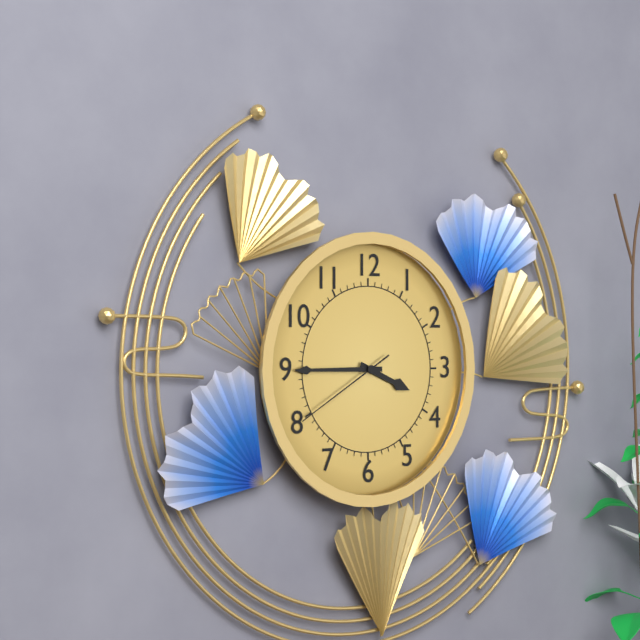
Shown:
3 h 45 min 40 s
